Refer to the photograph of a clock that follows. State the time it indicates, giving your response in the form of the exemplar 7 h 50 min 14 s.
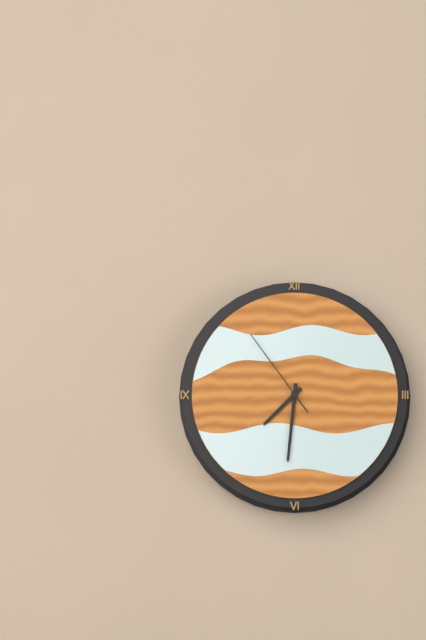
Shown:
7 h 31 min 54 s
